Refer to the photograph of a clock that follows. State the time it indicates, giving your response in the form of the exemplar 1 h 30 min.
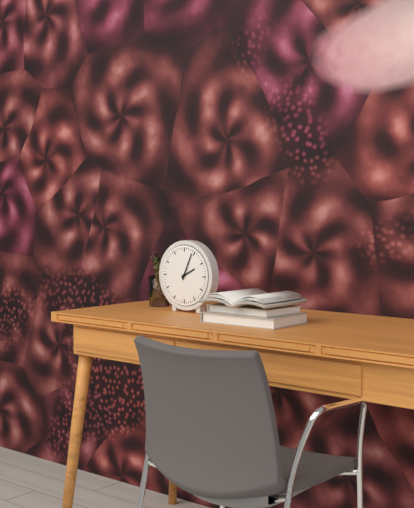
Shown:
2 h 04 min
